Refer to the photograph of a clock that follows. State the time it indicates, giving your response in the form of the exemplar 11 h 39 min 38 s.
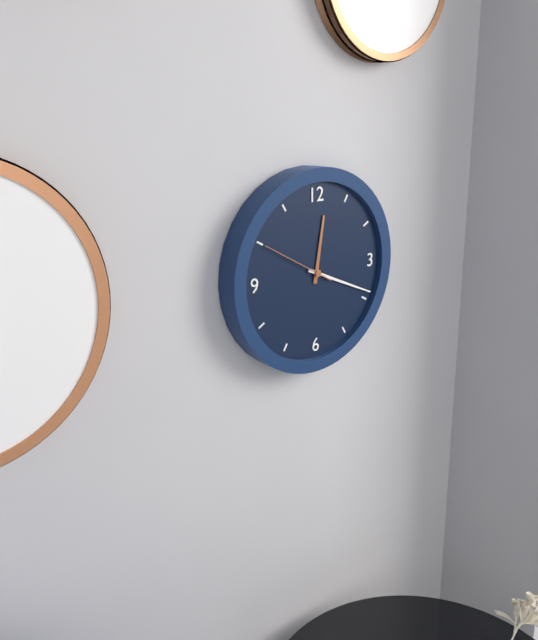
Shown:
12 h 19 min 50 s
